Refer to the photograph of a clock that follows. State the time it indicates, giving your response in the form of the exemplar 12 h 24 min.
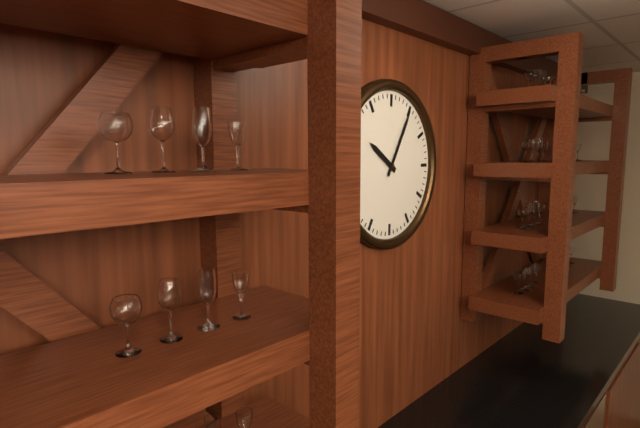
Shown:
10 h 05 min
